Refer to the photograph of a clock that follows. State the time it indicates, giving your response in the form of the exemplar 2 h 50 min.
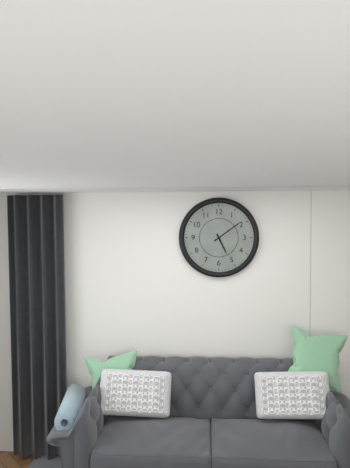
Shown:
5 h 09 min
